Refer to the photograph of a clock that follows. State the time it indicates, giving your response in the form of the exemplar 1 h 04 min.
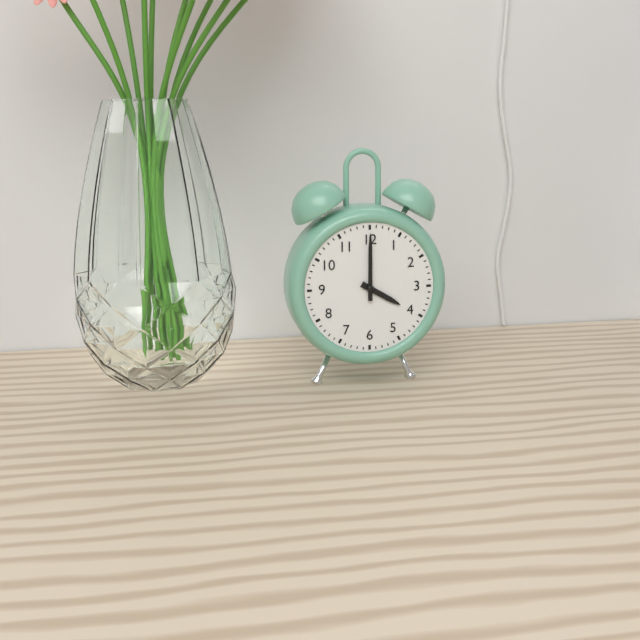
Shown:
4 h 00 min
